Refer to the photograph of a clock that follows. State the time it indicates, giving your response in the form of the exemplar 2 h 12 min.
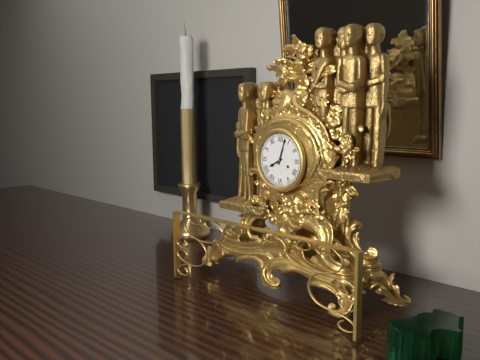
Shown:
8 h 03 min
